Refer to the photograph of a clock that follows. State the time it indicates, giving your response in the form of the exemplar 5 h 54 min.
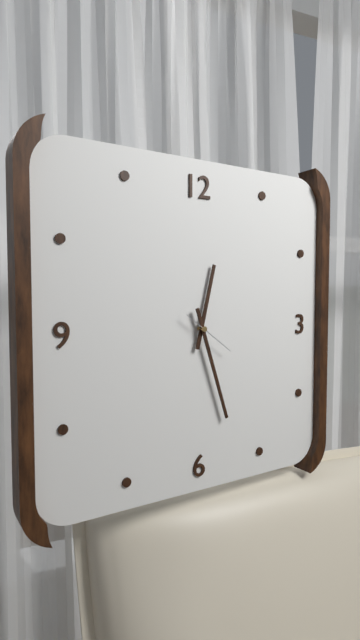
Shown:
12 h 27 min
